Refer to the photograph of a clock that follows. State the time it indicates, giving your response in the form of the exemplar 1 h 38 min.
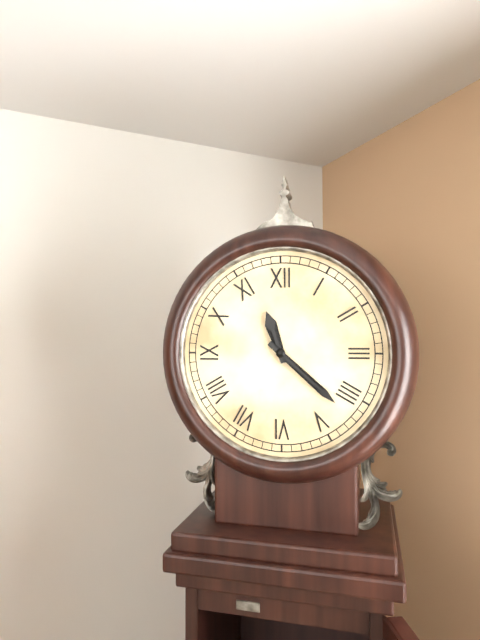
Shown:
11 h 22 min
